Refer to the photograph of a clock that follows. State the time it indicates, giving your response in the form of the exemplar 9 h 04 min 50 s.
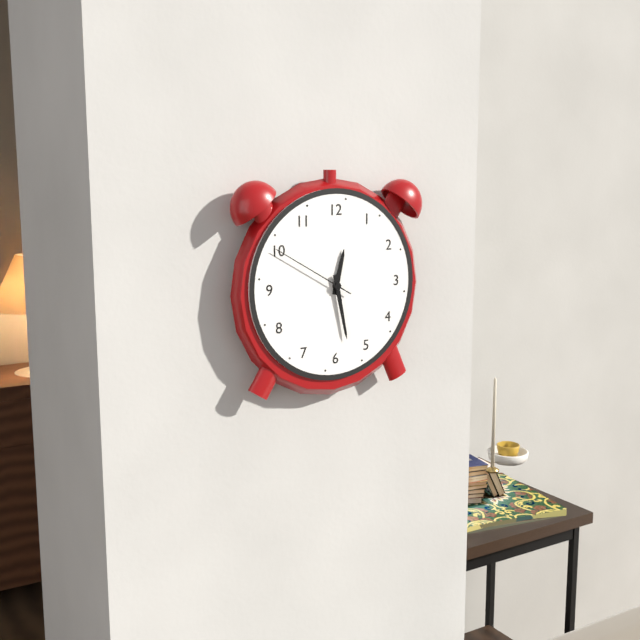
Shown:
12 h 28 min 50 s
